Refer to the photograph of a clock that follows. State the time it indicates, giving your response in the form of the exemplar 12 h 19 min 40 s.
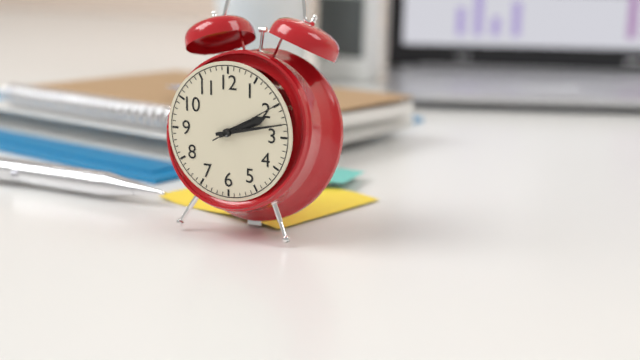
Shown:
2 h 13 min 10 s
